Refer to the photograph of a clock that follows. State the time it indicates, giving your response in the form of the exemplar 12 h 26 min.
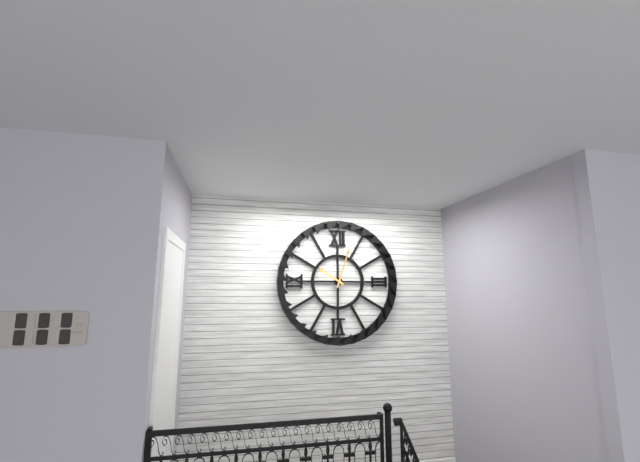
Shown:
10 h 03 min
